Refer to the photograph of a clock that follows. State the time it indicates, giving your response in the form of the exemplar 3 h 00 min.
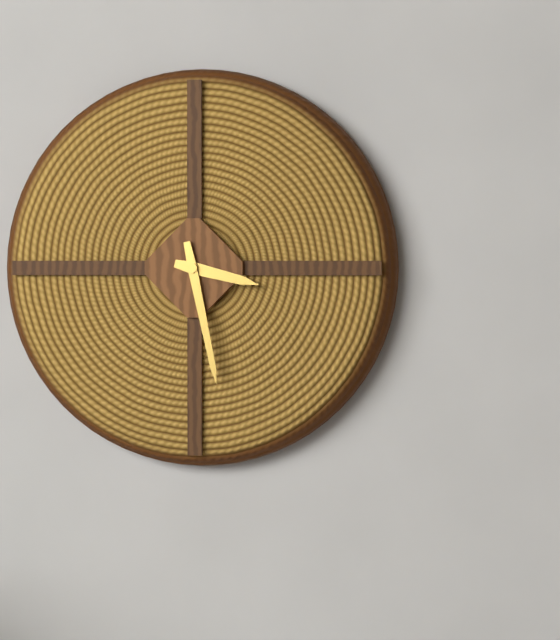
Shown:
3 h 28 min
